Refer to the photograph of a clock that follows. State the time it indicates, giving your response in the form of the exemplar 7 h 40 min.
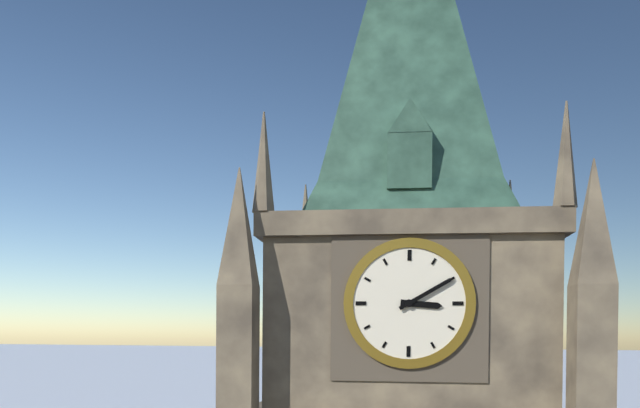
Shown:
3 h 10 min
